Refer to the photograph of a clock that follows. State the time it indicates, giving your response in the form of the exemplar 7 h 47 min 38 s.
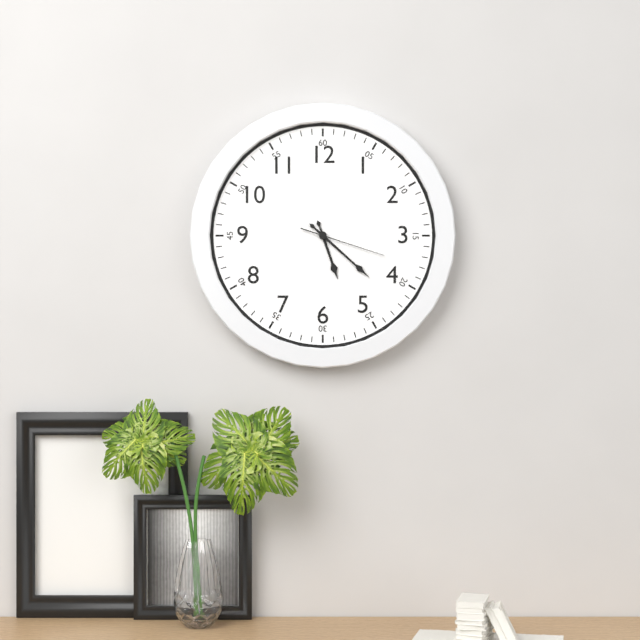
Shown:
5 h 22 min 18 s
